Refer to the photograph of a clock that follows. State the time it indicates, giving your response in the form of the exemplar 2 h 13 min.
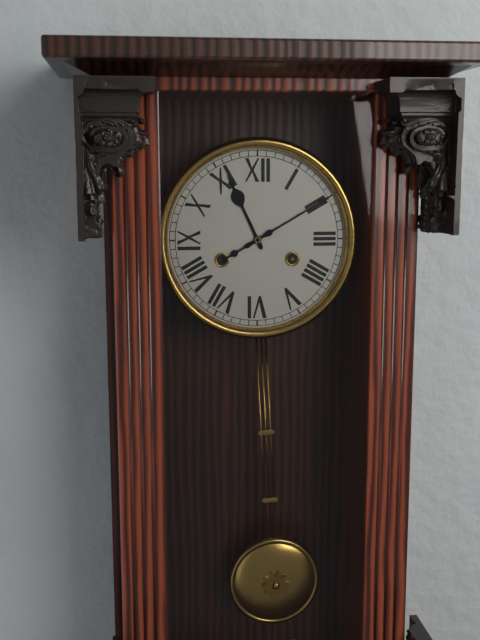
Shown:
11 h 10 min
